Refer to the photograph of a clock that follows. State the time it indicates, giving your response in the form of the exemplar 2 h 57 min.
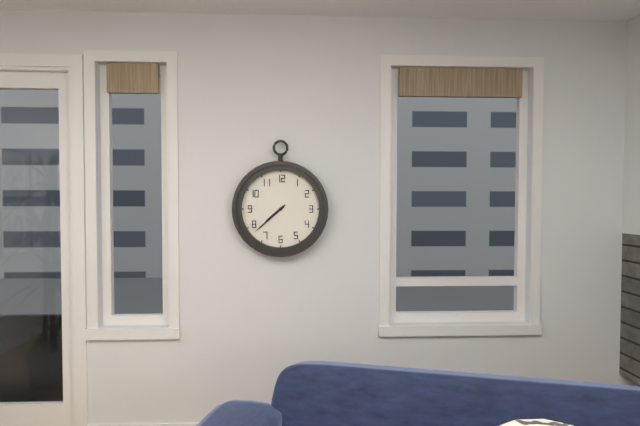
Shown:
7 h 38 min
